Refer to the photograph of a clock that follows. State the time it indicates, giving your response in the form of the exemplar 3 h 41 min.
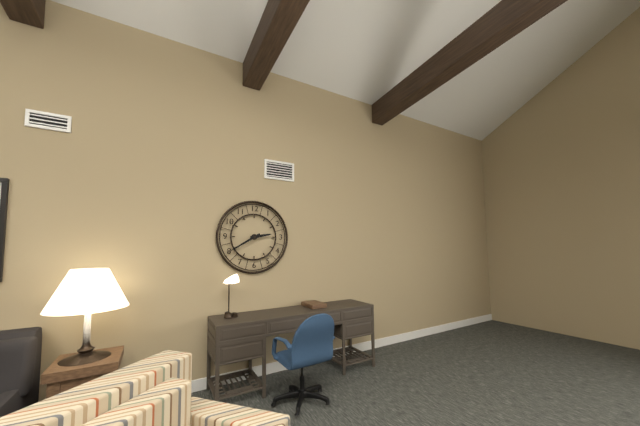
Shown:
2 h 40 min
